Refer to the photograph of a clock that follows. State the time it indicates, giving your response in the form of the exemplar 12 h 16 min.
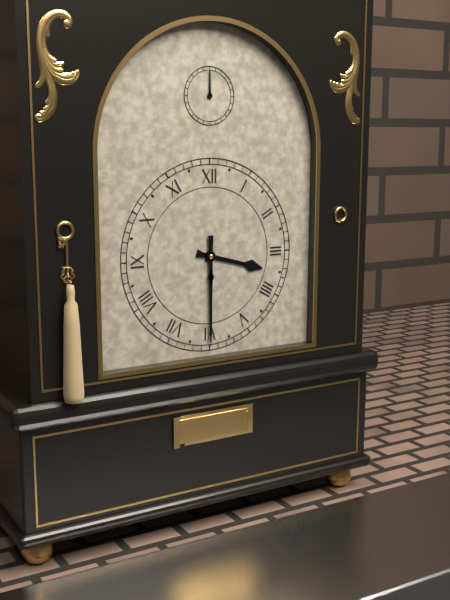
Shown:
3 h 30 min
